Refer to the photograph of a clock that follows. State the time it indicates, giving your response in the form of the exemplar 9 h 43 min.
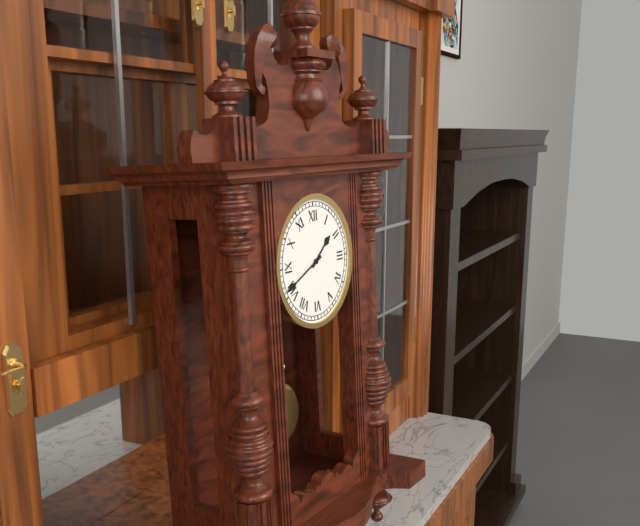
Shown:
1 h 41 min
